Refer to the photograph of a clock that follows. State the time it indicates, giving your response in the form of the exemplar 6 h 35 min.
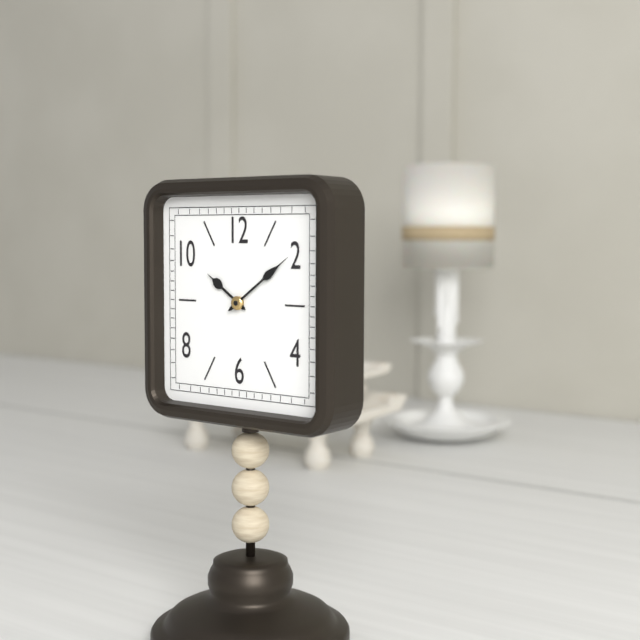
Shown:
10 h 09 min
